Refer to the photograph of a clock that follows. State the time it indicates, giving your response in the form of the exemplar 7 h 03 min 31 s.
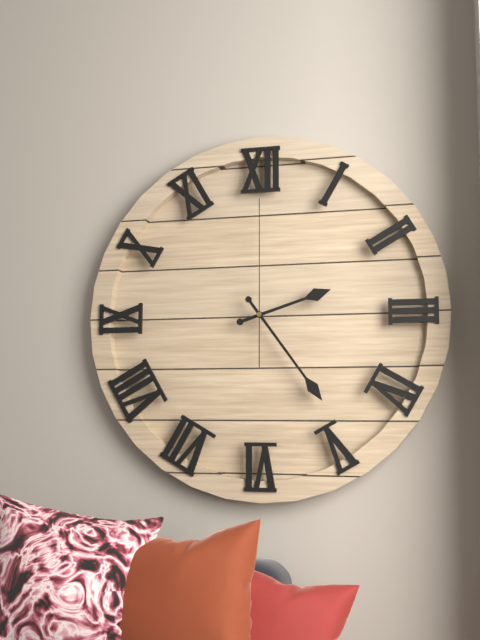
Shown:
2 h 24 min 00 s
